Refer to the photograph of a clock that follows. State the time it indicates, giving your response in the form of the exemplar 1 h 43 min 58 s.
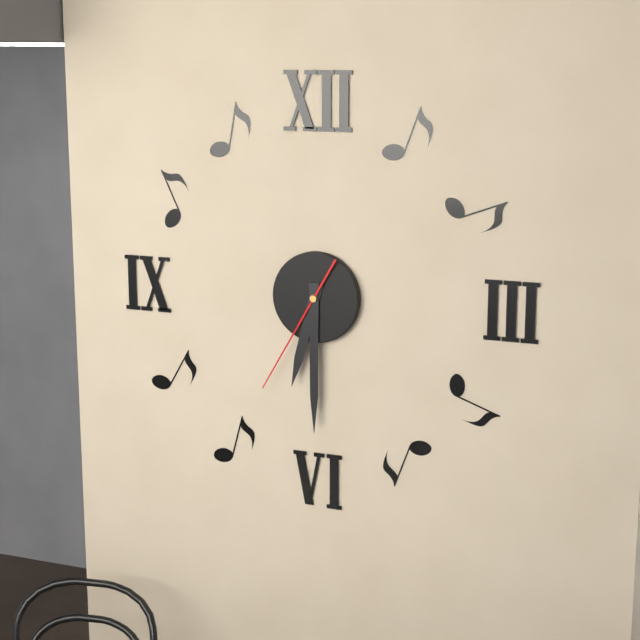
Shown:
6 h 30 min 35 s
